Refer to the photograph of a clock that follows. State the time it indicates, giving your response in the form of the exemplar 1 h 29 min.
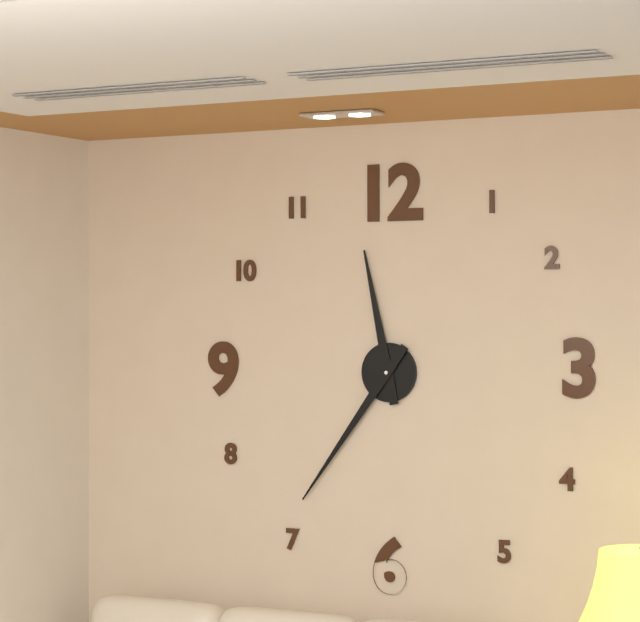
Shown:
11 h 36 min
